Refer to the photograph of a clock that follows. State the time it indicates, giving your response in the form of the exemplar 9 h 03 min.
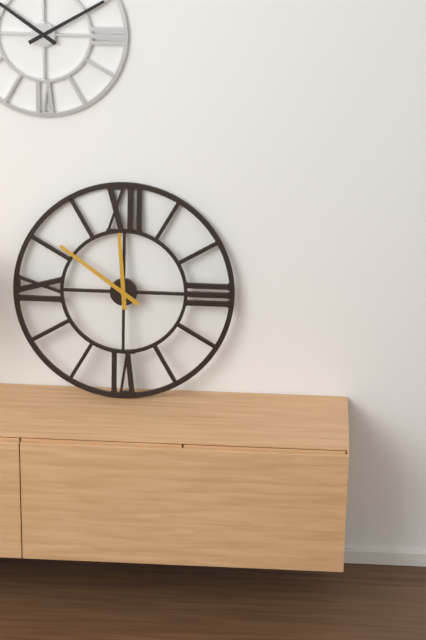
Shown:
11 h 51 min
